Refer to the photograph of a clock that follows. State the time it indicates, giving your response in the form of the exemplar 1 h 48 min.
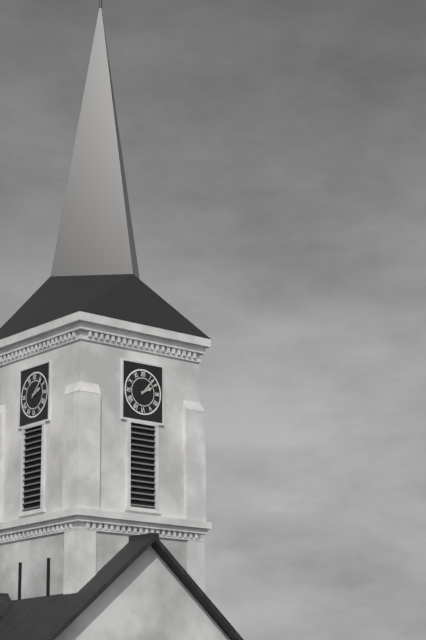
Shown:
2 h 07 min
